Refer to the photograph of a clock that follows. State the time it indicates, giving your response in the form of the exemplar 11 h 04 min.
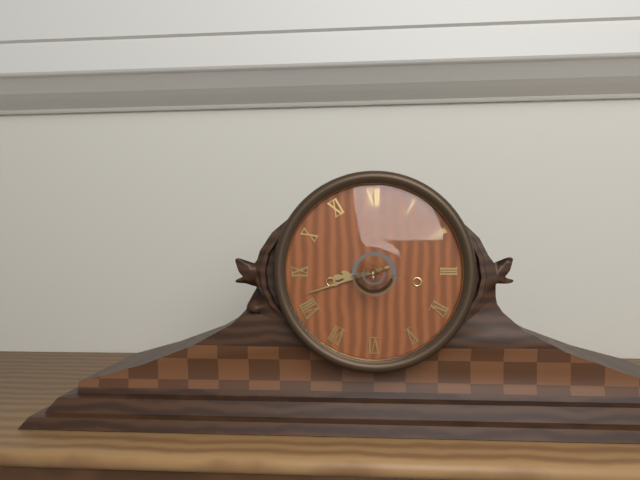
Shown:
8 h 42 min
